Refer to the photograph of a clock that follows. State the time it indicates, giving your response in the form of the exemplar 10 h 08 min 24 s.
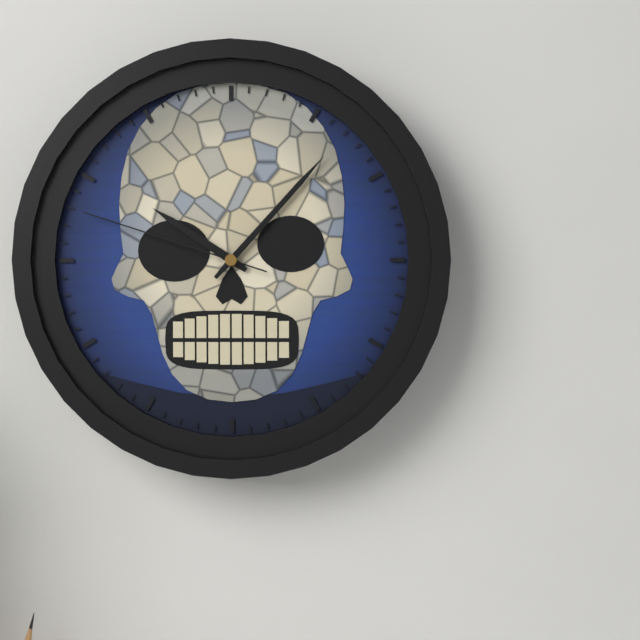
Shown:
10 h 07 min 48 s
